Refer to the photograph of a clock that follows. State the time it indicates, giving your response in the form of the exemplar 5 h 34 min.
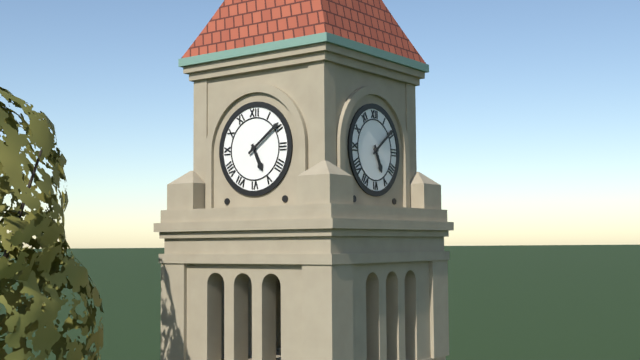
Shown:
5 h 09 min
